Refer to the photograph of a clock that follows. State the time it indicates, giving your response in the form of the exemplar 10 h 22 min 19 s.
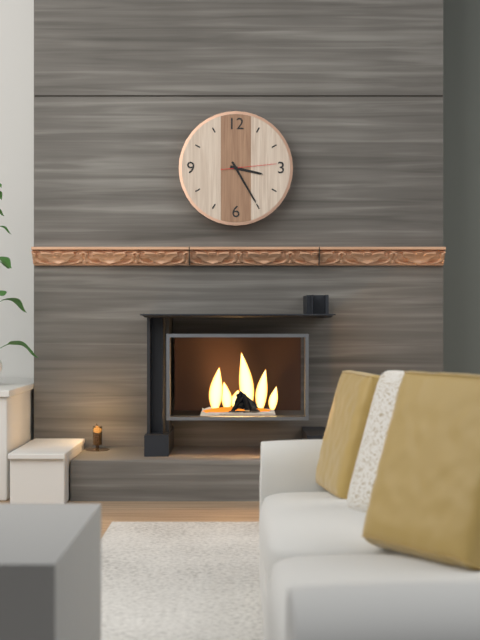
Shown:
3 h 25 min 14 s
